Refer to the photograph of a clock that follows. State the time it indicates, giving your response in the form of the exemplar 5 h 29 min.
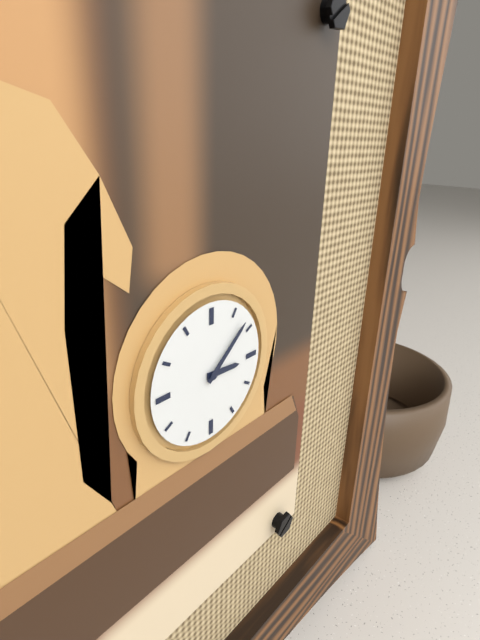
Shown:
3 h 08 min
